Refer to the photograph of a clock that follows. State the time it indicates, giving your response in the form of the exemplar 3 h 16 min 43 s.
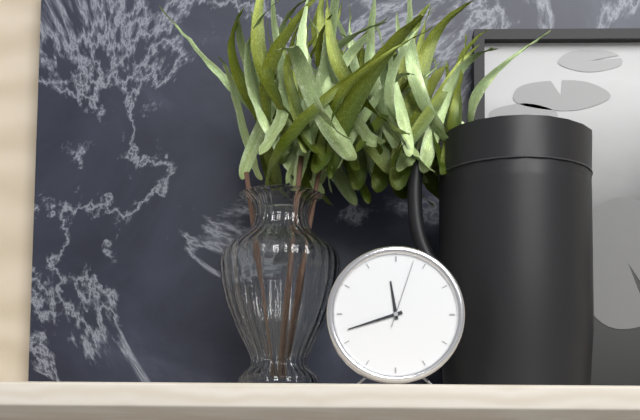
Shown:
11 h 42 min 03 s
